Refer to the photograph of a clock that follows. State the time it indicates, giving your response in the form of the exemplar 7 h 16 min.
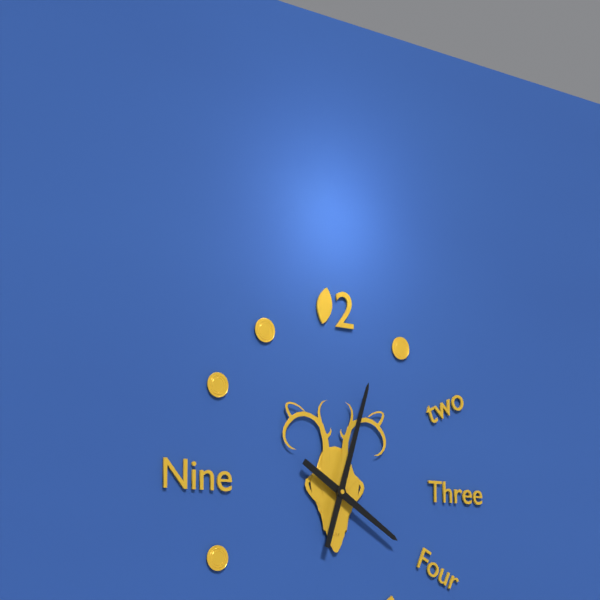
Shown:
4 h 03 min
